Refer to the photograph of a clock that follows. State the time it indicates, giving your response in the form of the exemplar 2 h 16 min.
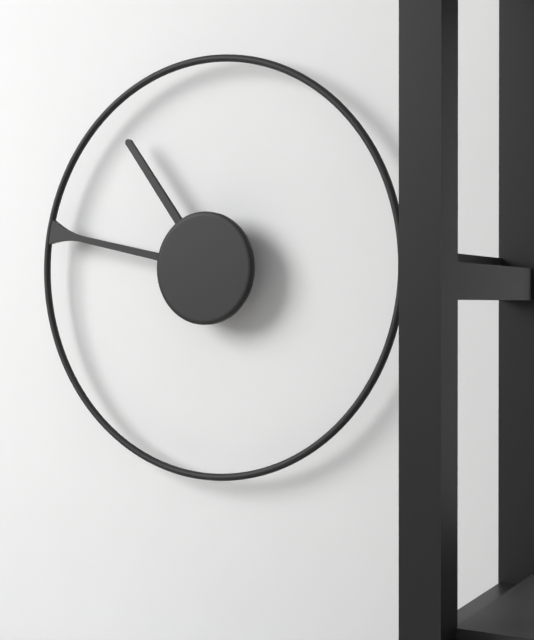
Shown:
10 h 47 min
